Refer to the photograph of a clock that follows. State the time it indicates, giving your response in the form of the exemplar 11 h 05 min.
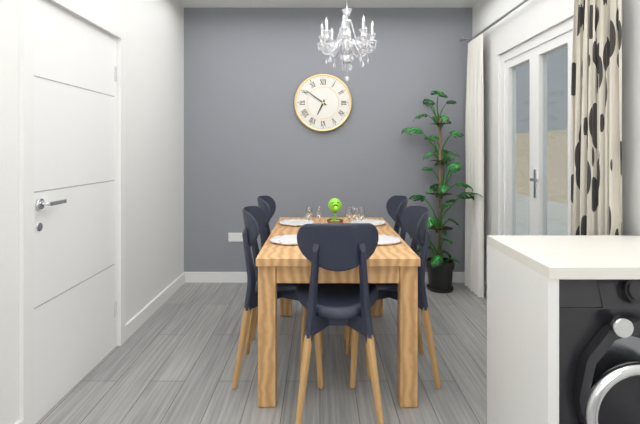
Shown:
6 h 51 min
